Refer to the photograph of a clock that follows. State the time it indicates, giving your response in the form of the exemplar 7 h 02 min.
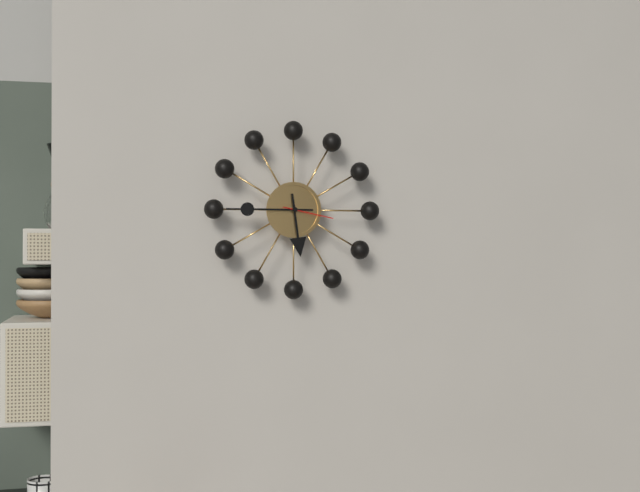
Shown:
5 h 45 min
